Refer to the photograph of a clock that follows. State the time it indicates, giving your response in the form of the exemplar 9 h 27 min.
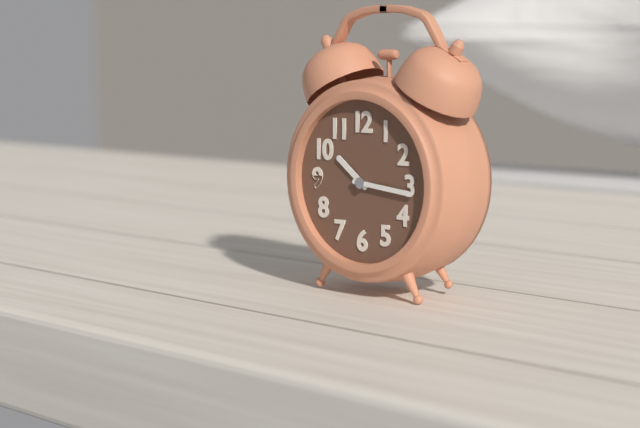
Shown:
10 h 16 min
